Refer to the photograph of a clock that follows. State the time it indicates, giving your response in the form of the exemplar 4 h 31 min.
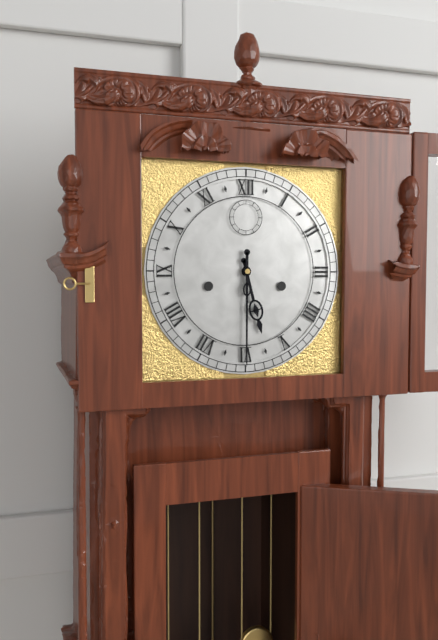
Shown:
5 h 30 min
